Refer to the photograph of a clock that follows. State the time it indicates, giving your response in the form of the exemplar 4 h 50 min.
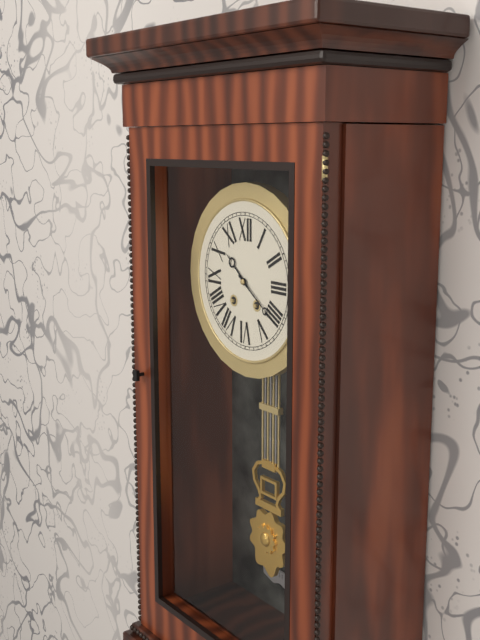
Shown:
10 h 21 min
